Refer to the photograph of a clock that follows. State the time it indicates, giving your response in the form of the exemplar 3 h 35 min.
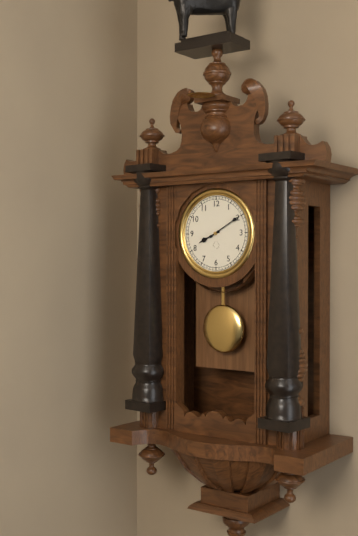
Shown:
8 h 10 min
